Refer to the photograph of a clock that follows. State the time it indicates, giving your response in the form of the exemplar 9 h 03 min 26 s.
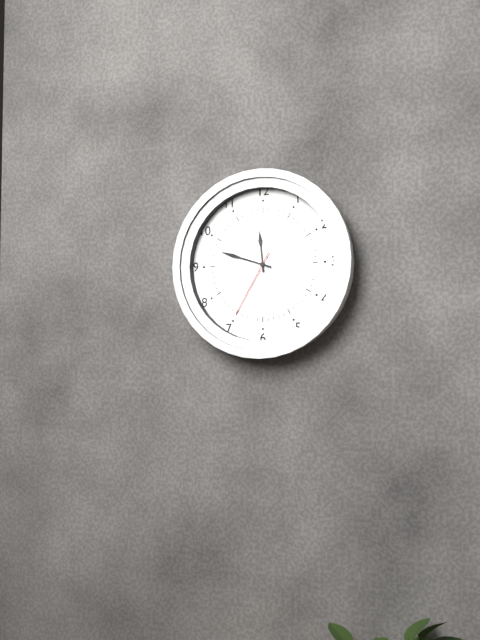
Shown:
11 h 48 min 35 s
